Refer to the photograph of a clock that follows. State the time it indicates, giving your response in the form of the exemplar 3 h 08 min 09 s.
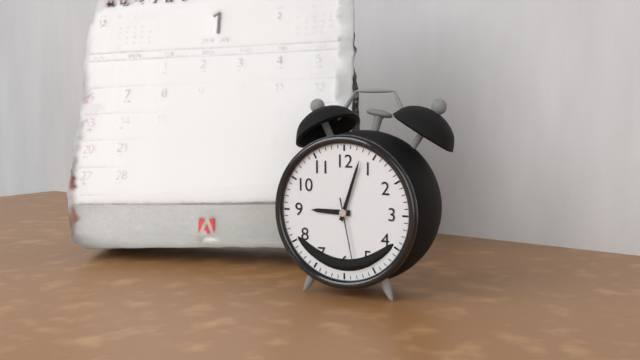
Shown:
9 h 03 min 28 s
